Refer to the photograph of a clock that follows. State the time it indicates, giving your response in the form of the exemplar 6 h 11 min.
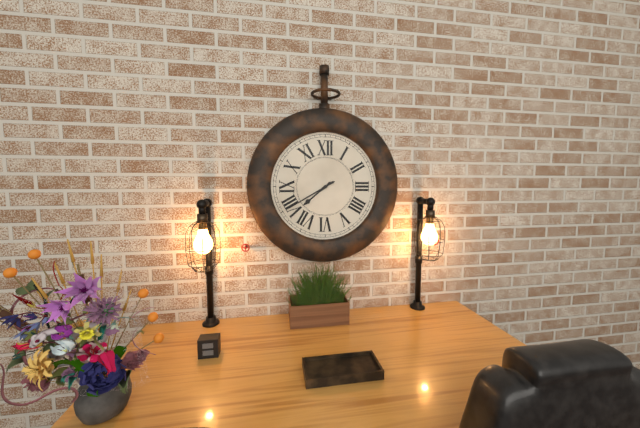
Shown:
7 h 40 min
